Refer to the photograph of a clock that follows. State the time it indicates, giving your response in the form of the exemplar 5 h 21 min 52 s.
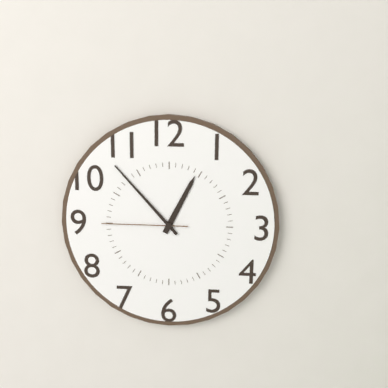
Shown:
12 h 53 min 45 s
